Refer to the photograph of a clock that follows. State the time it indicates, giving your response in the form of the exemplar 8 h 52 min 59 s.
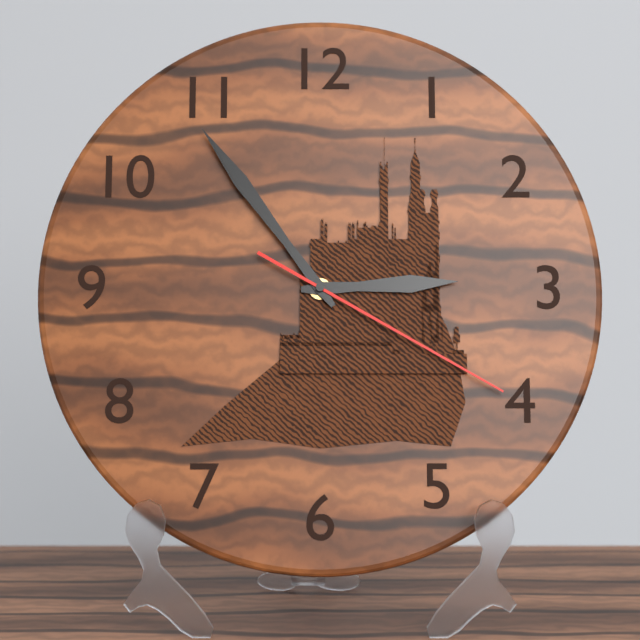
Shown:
2 h 54 min 20 s
